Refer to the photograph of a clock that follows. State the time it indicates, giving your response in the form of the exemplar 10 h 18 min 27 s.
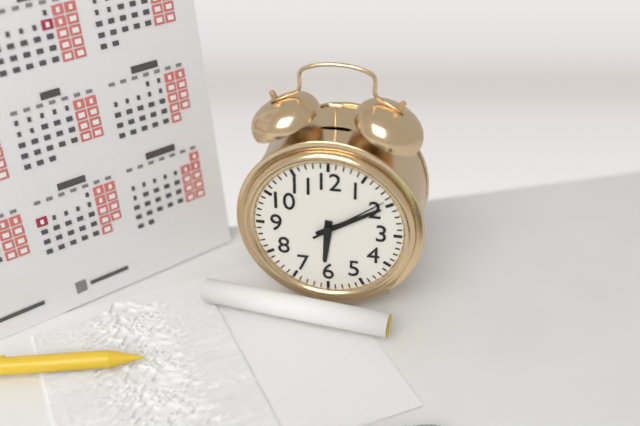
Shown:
6 h 10 min 09 s
